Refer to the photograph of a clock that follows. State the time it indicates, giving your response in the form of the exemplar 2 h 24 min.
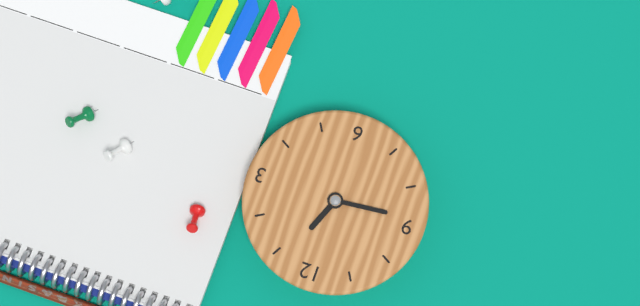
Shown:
12 h 44 min
